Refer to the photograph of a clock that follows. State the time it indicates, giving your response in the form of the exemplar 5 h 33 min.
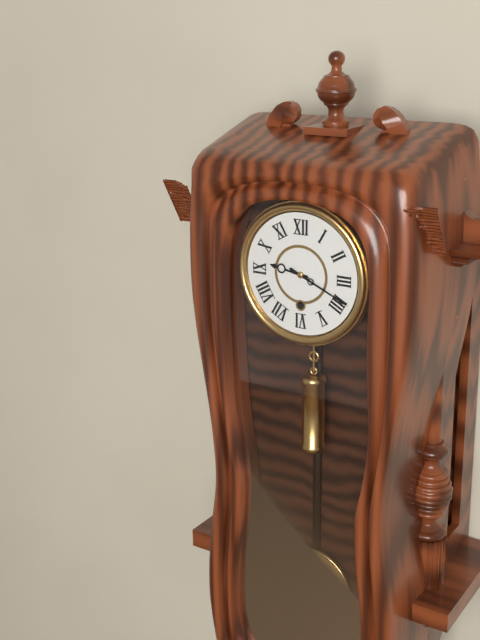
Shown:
9 h 19 min
